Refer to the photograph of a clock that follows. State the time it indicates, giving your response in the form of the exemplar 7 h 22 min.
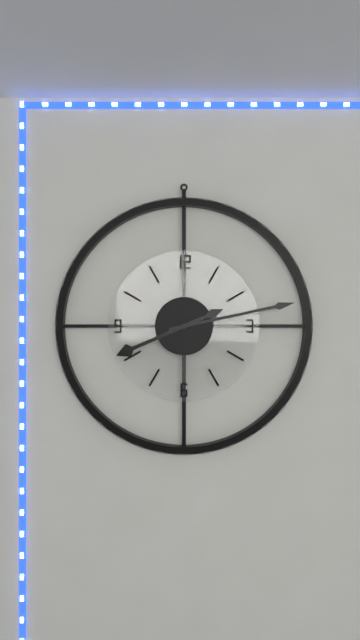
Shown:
8 h 13 min
